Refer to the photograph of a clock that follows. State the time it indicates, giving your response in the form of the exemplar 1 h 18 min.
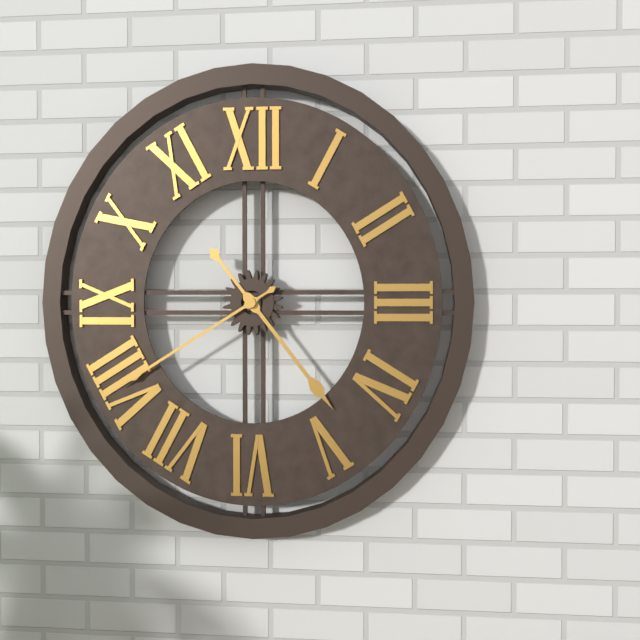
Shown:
4 h 40 min
